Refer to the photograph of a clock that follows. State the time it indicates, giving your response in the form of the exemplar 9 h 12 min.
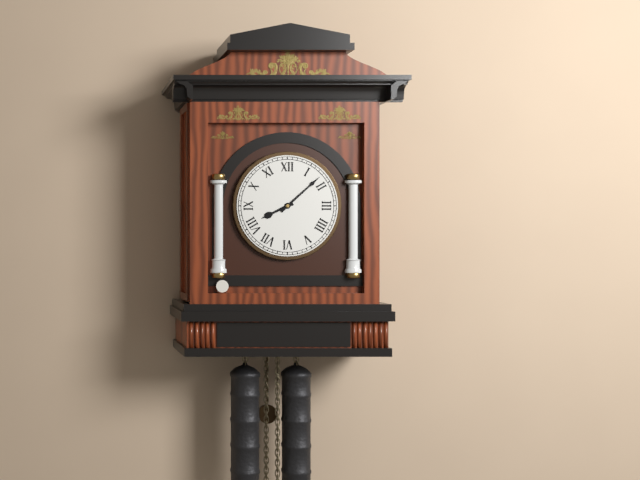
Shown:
8 h 08 min
